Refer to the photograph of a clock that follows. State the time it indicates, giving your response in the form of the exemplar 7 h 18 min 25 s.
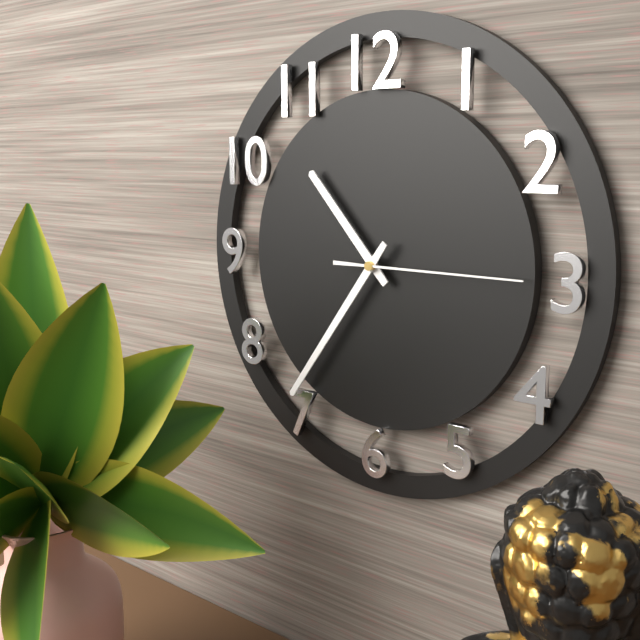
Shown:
10 h 36 min 15 s
